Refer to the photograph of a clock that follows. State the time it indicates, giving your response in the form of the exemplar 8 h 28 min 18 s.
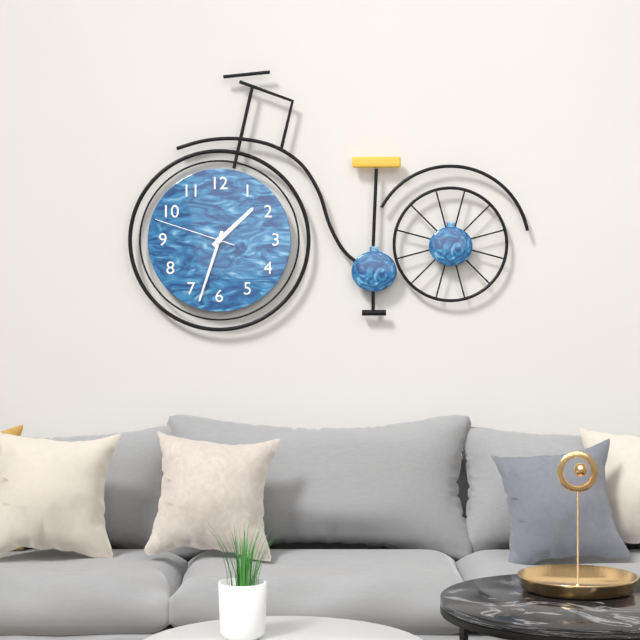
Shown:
1 h 33 min 48 s
